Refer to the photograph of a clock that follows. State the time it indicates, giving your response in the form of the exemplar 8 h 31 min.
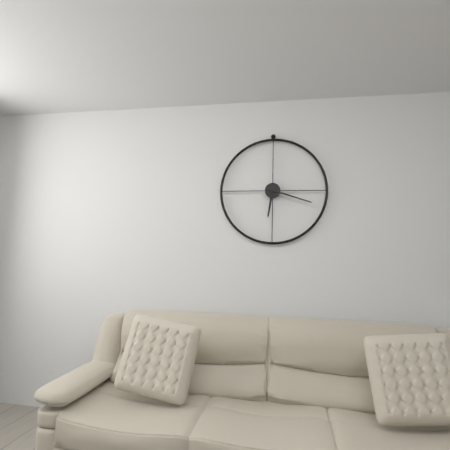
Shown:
6 h 18 min
